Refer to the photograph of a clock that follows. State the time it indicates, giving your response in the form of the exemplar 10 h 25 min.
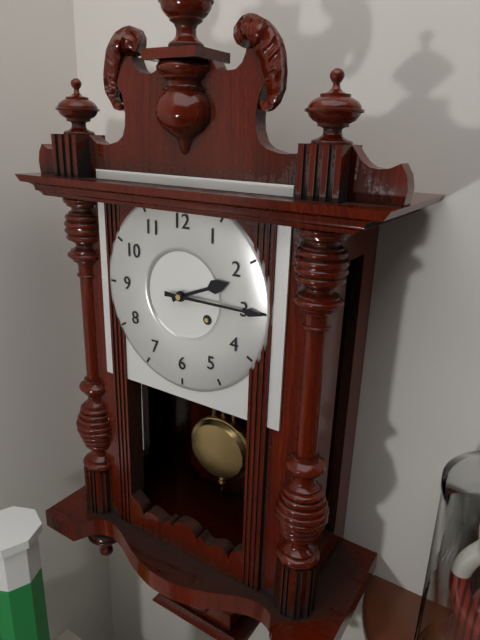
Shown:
2 h 15 min
